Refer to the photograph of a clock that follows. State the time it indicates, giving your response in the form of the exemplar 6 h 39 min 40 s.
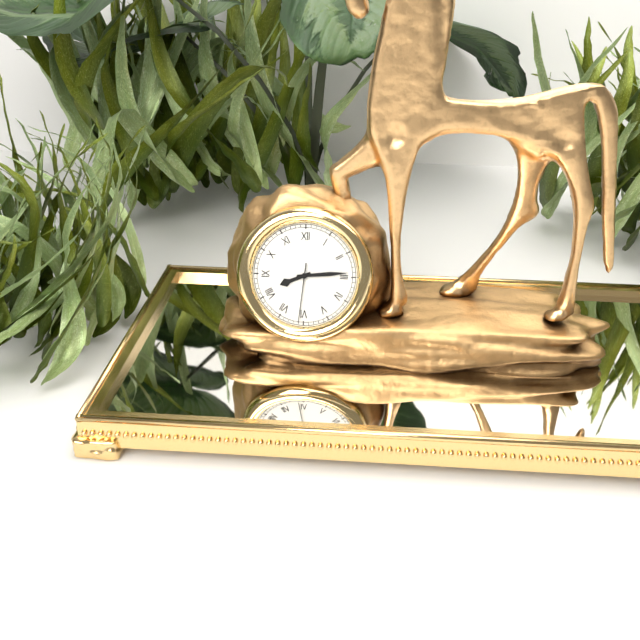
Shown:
8 h 14 min 31 s
